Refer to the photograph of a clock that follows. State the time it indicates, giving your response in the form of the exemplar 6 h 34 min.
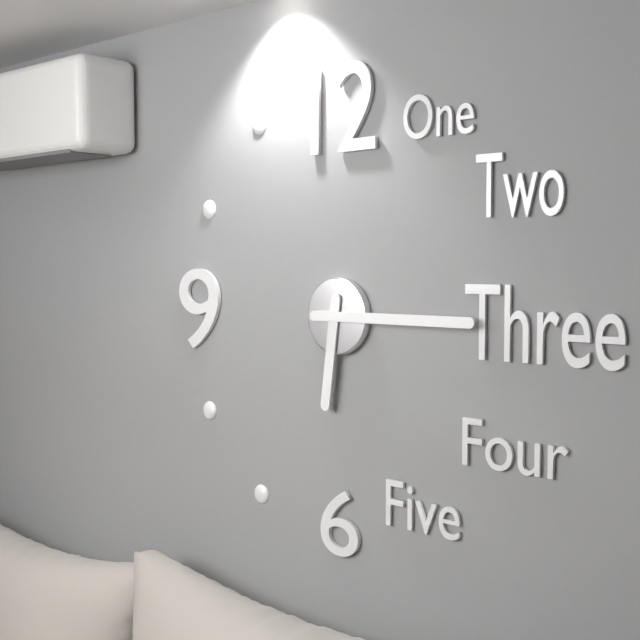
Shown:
6 h 15 min
